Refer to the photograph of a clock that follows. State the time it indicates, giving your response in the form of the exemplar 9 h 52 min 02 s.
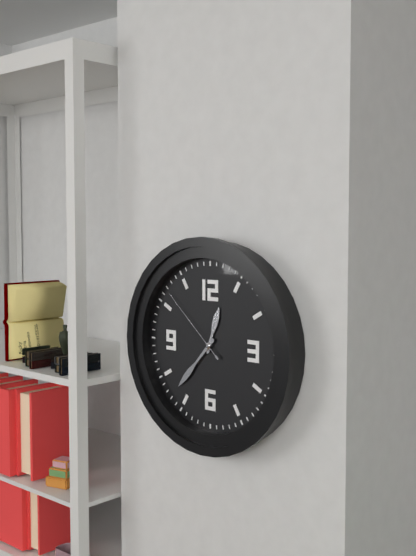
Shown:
12 h 37 min 52 s
